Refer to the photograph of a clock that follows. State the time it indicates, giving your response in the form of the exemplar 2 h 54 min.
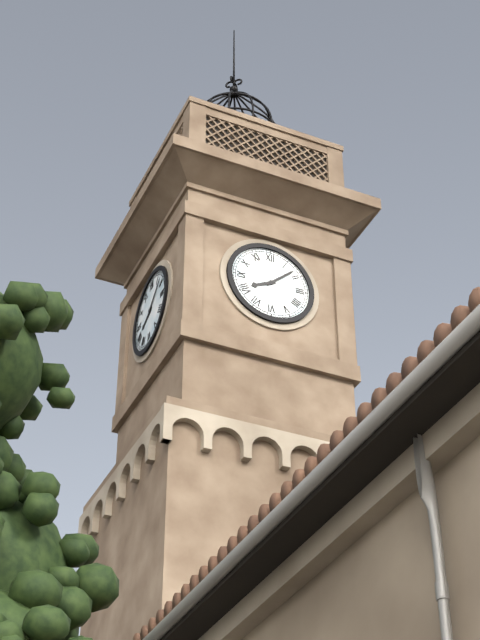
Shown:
8 h 08 min
